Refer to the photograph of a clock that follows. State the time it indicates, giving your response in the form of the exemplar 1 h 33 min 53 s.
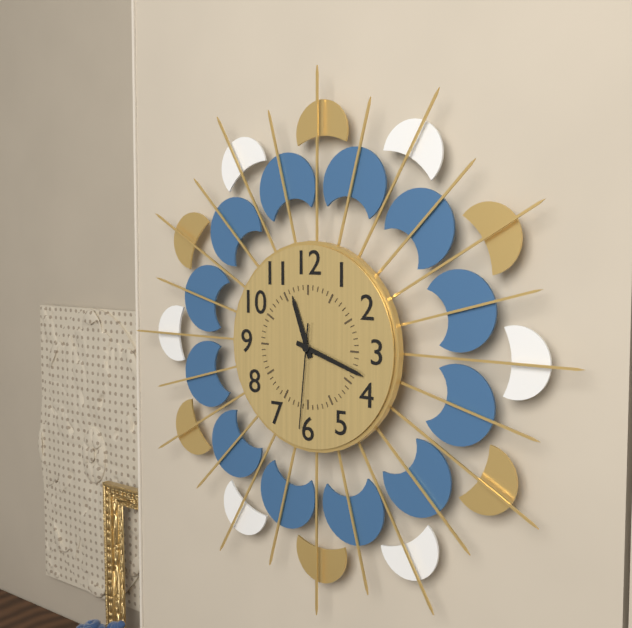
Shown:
11 h 18 min 31 s
